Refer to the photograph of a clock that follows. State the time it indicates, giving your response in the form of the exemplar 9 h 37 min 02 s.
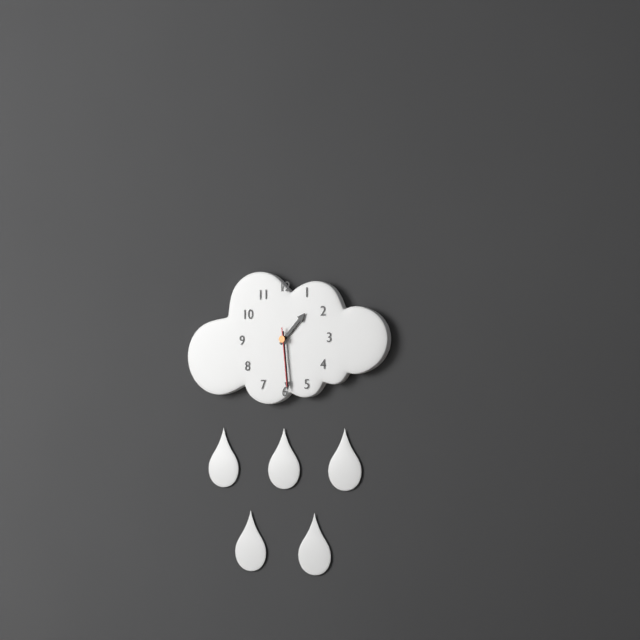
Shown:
1 h 29 min 29 s
